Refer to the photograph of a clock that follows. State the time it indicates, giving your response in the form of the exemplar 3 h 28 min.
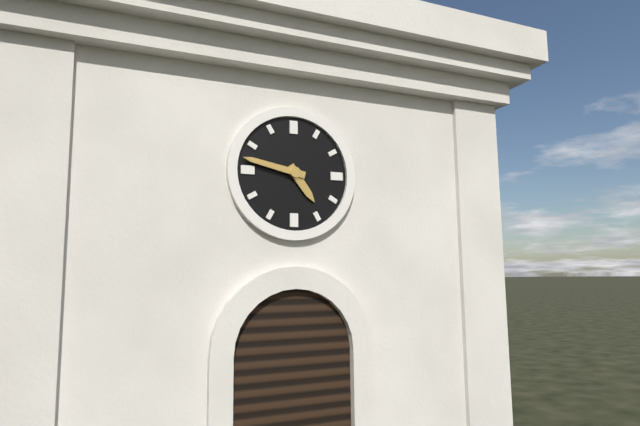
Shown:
4 h 47 min
